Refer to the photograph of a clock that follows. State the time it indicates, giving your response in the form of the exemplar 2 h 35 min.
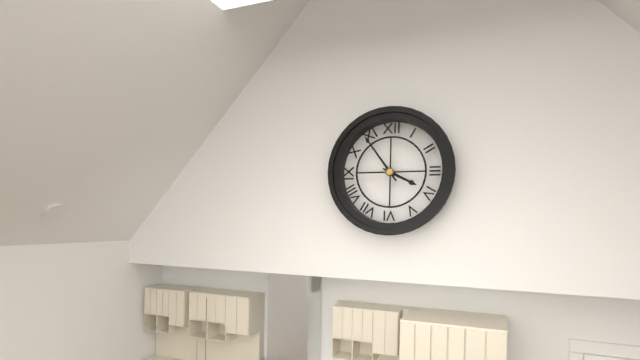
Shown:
3 h 54 min
